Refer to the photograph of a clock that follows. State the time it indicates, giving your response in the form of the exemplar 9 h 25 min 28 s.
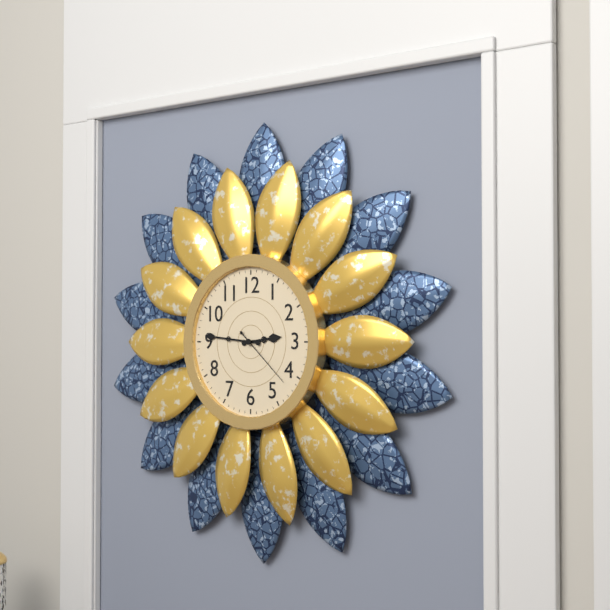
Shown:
2 h 46 min 22 s
